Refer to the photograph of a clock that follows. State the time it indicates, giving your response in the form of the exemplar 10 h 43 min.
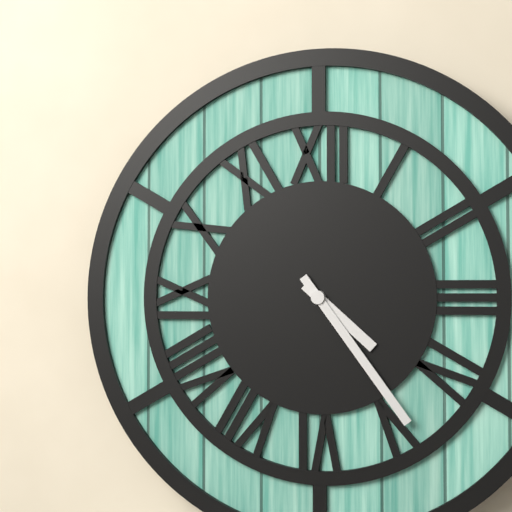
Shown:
4 h 24 min
